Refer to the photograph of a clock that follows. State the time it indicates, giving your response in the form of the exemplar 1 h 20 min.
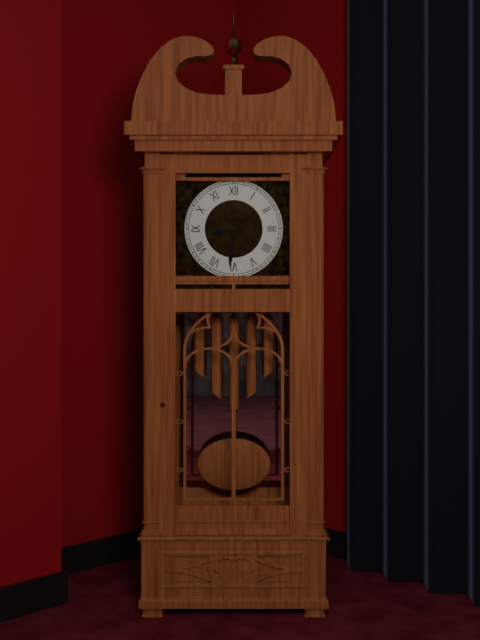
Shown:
8 h 31 min
